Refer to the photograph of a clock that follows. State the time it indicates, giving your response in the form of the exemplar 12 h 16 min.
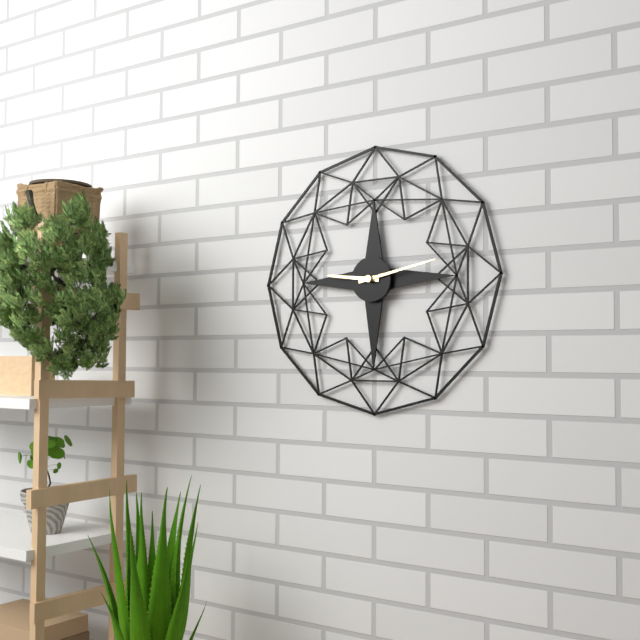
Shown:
9 h 13 min
